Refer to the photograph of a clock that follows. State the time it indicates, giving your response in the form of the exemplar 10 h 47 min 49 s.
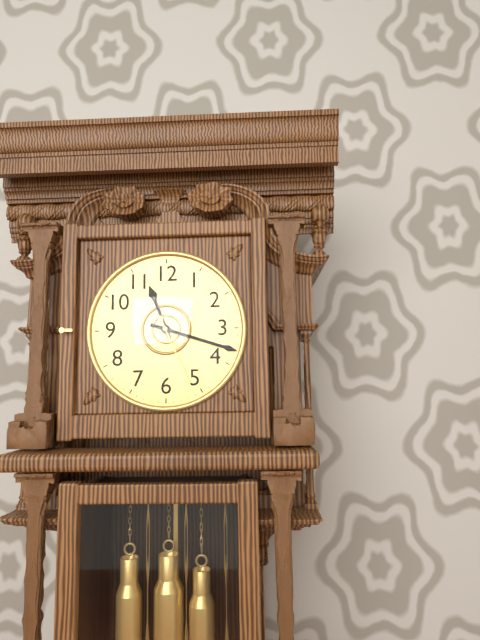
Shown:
11 h 18 min 26 s
